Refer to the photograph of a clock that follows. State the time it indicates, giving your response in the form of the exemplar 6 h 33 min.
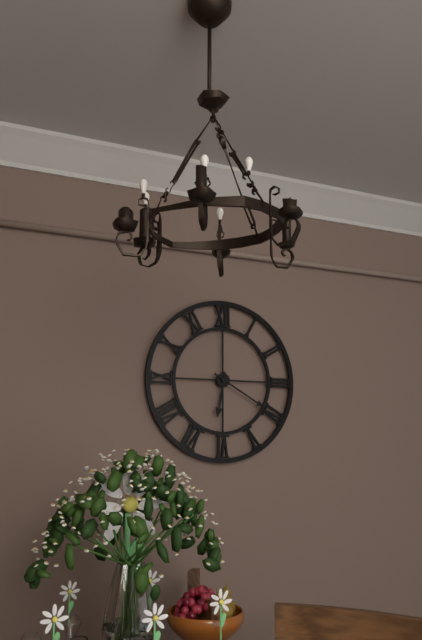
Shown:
6 h 20 min
